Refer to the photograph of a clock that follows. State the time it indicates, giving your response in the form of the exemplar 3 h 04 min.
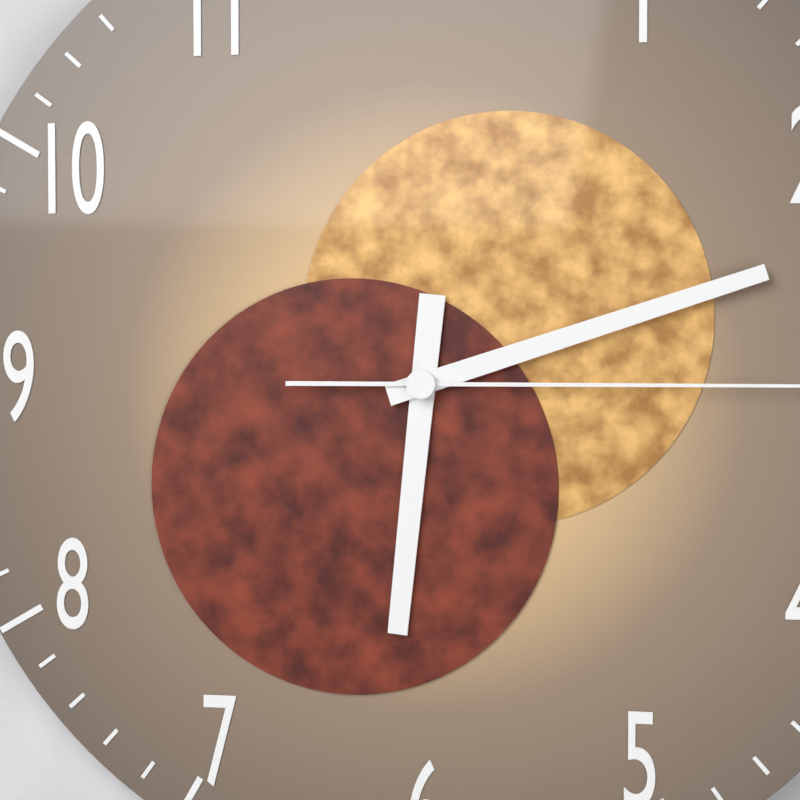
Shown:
6 h 12 min
